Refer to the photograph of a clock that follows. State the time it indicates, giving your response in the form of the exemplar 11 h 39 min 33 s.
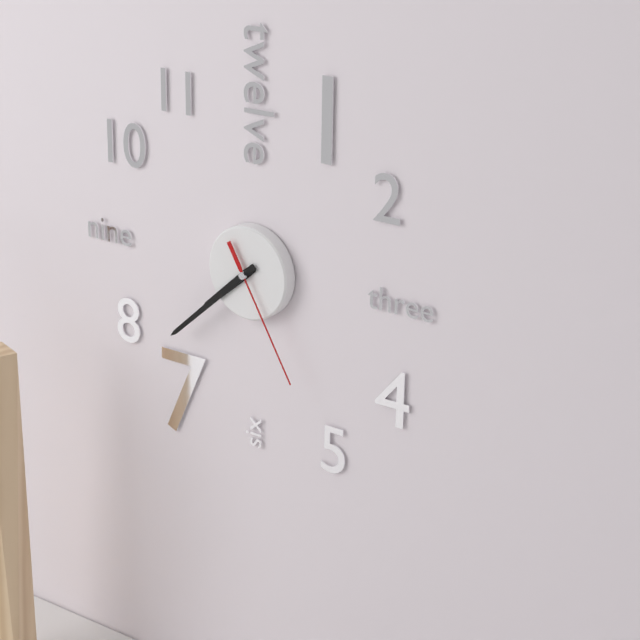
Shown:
7 h 38 min 25 s
